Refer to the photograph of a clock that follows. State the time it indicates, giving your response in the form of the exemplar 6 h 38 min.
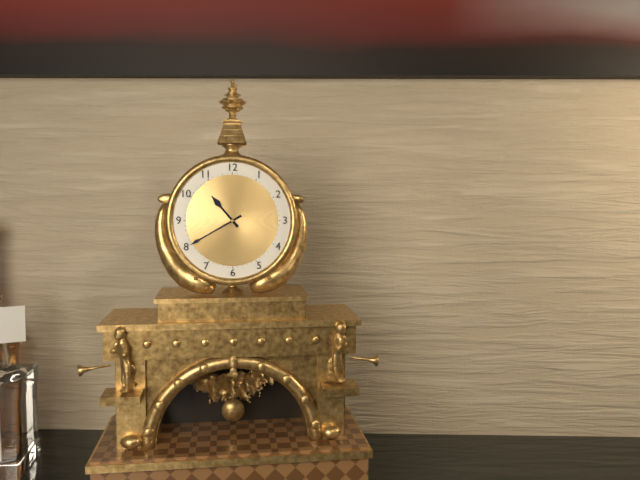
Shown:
10 h 40 min
